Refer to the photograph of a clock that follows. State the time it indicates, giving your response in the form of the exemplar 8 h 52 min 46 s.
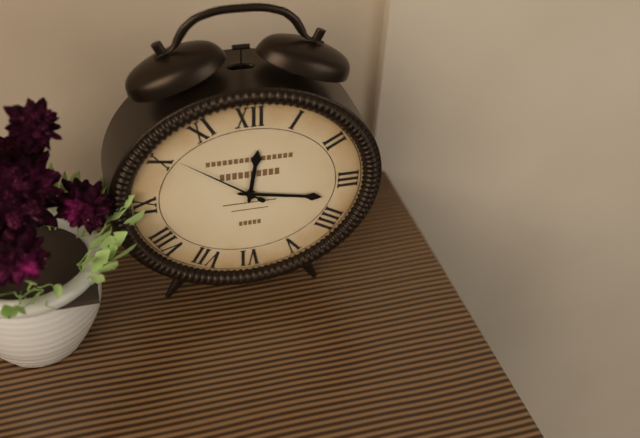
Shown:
12 h 17 min 51 s
